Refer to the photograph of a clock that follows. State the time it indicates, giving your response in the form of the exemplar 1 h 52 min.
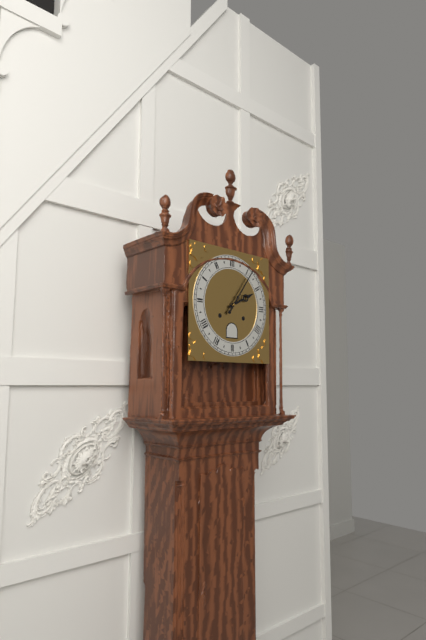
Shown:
2 h 06 min
